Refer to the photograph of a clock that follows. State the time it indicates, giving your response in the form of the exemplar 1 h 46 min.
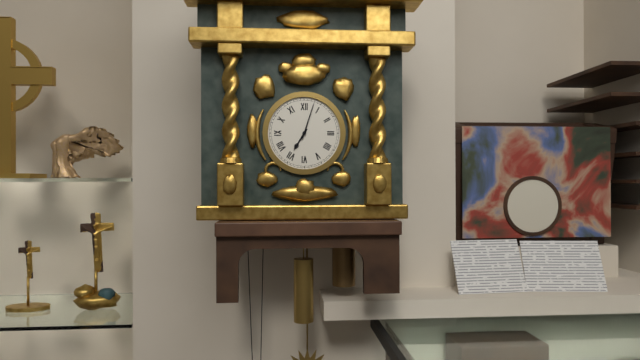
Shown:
7 h 03 min
